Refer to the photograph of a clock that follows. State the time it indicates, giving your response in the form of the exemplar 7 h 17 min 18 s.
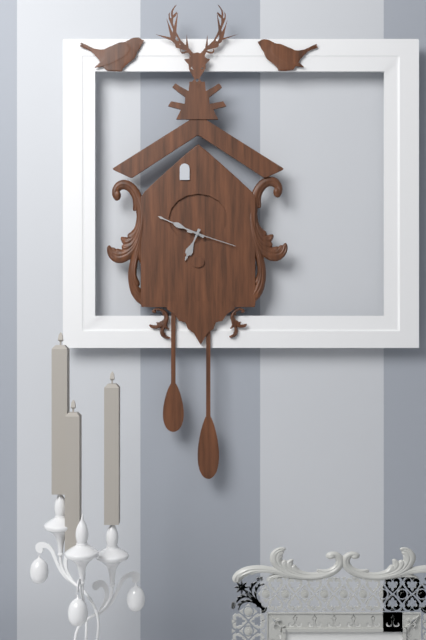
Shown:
6 h 49 min 18 s
